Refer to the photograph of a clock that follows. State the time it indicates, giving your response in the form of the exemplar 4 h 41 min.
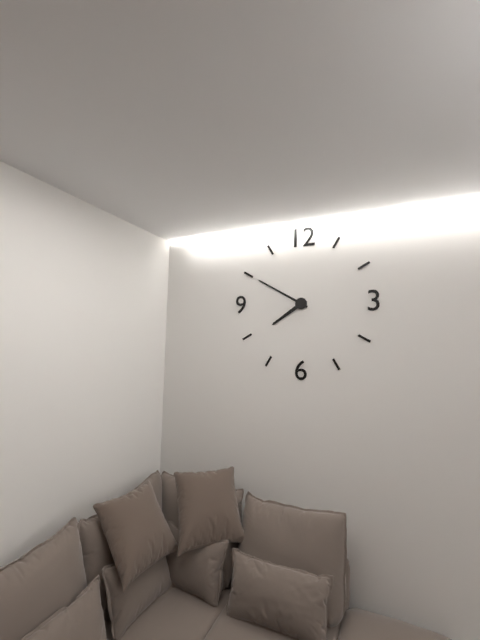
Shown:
7 h 50 min
